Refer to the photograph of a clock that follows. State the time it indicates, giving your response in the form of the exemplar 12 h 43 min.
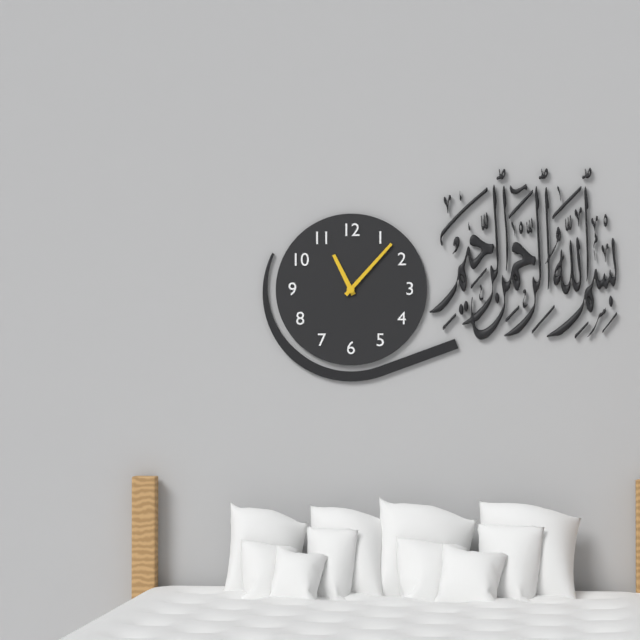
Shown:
11 h 07 min
